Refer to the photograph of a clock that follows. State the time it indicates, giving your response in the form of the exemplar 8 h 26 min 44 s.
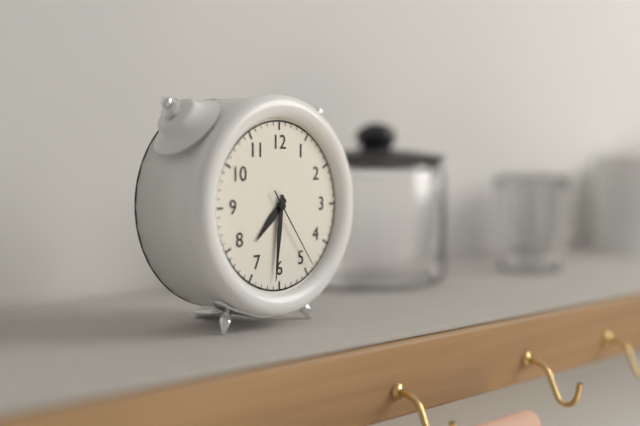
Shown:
7 h 31 min 24 s
